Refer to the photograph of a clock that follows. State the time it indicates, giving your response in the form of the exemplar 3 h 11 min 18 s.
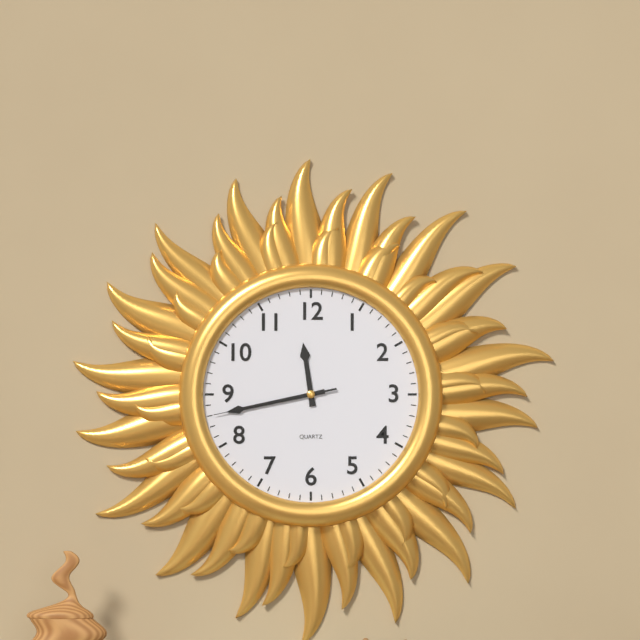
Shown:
11 h 43 min 43 s
